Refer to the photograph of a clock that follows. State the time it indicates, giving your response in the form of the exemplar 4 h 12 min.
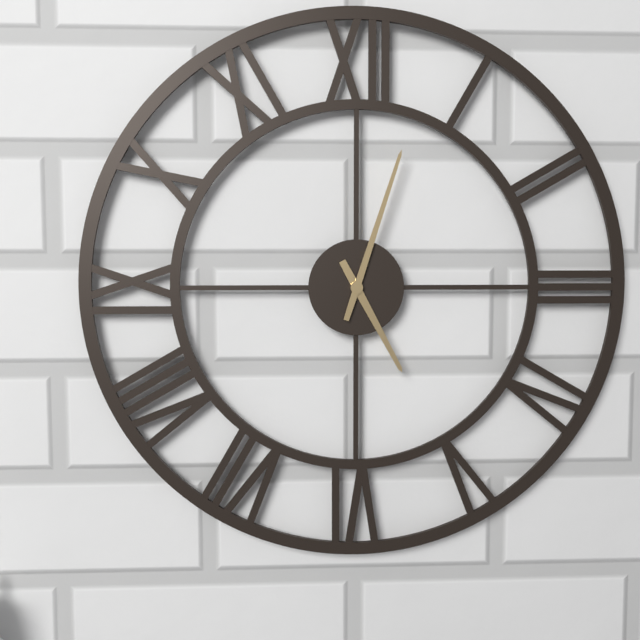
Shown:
5 h 03 min
